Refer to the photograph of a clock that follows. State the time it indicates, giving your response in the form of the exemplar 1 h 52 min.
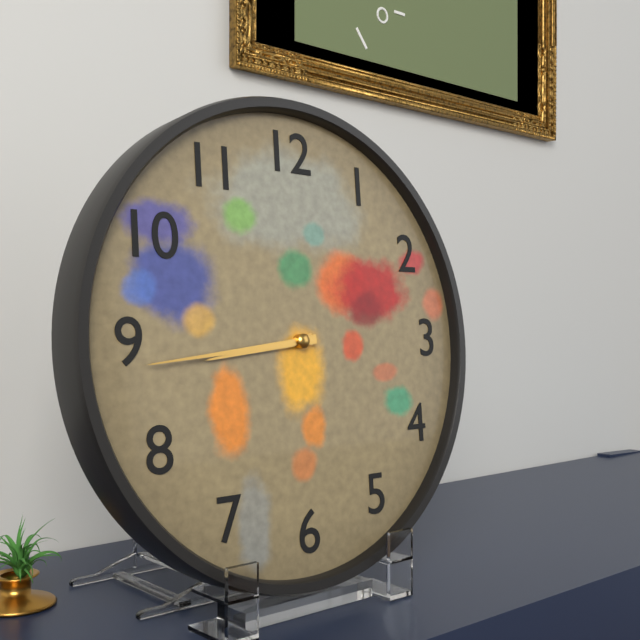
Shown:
8 h 44 min
